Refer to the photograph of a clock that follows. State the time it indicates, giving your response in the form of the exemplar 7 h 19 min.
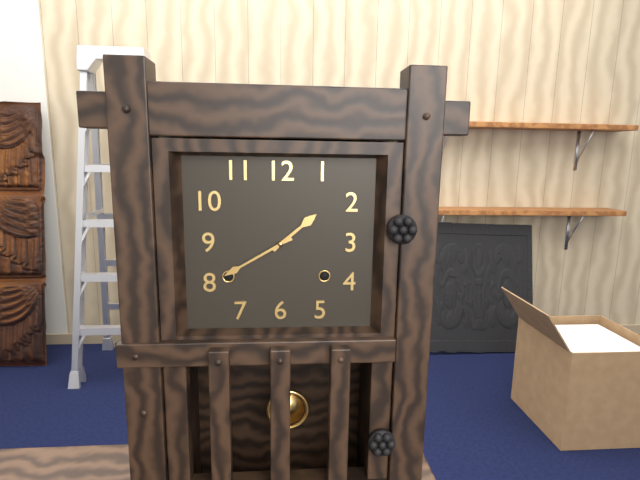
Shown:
1 h 40 min
